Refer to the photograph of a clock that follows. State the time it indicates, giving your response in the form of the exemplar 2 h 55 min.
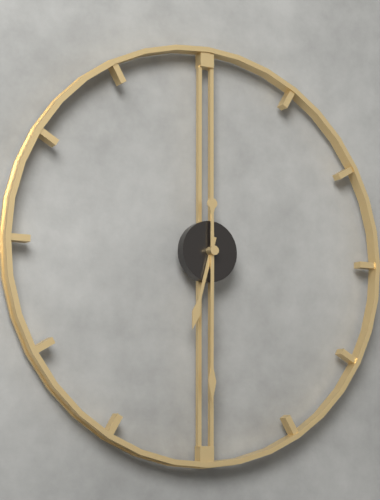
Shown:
6 h 30 min
